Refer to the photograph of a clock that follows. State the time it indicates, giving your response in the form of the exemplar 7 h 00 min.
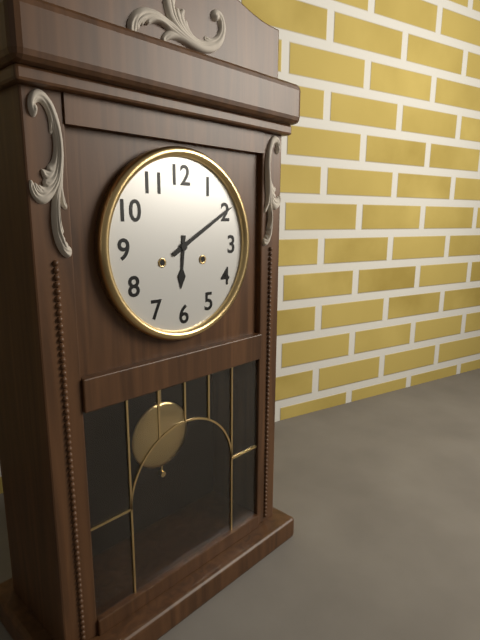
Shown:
6 h 10 min
